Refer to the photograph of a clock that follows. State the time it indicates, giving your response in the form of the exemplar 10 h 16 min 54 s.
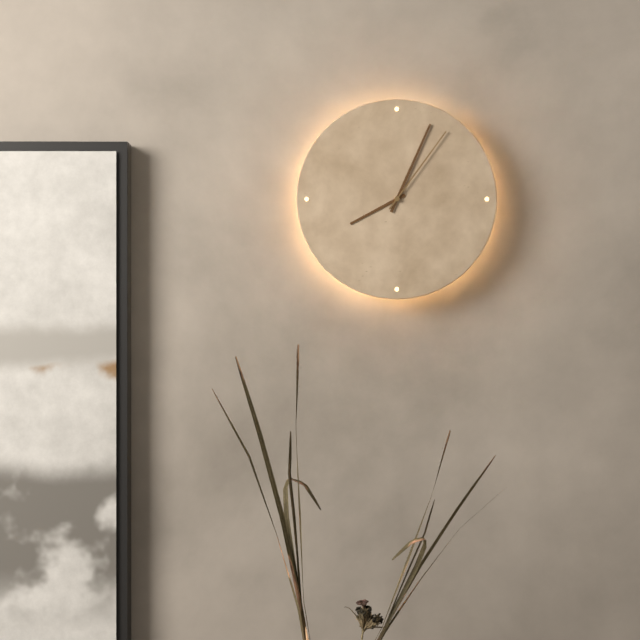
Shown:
8 h 04 min 06 s
